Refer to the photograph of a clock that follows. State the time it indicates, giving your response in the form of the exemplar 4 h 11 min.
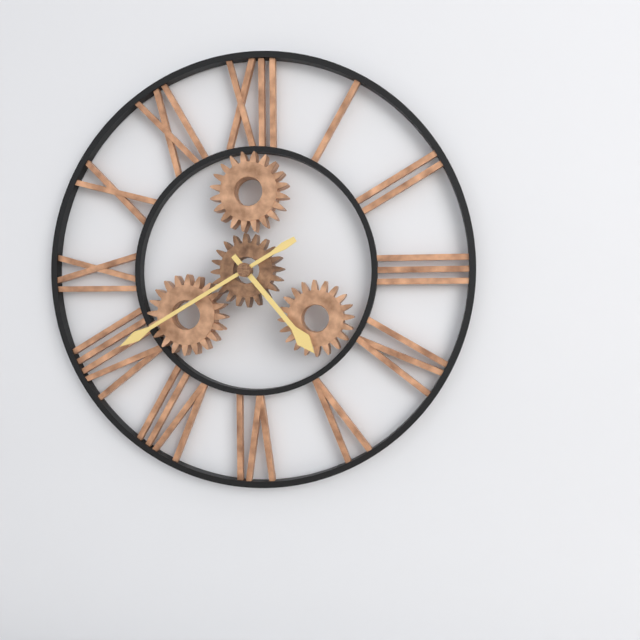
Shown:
4 h 40 min
